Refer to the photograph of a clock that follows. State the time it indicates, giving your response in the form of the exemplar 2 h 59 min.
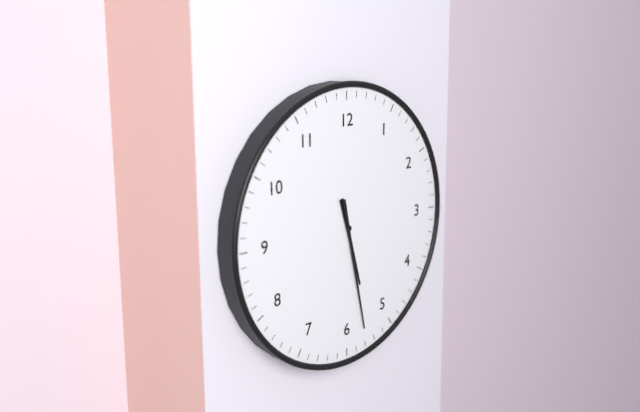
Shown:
5 h 28 min
